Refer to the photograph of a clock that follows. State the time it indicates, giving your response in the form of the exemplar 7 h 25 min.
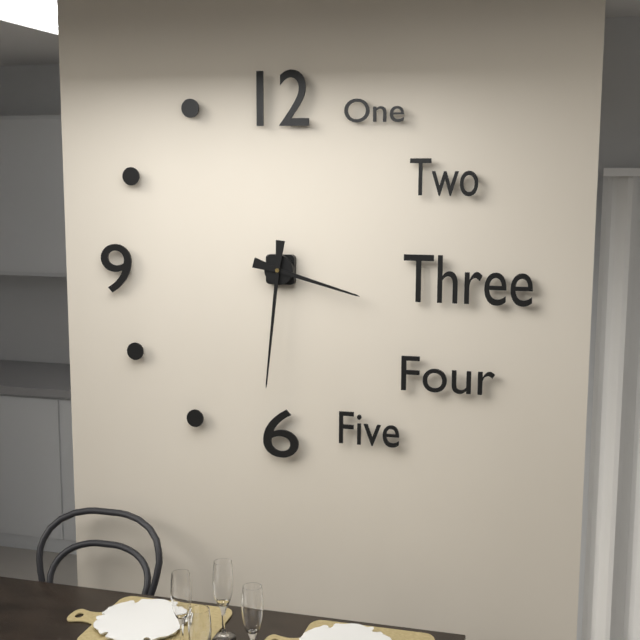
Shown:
3 h 31 min
